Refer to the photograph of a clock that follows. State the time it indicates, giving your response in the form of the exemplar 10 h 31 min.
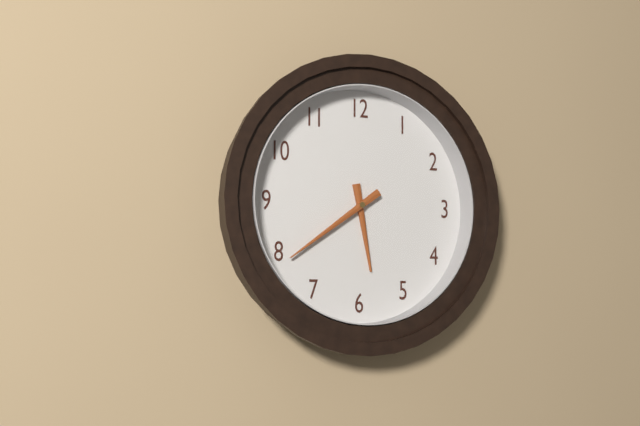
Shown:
5 h 39 min
